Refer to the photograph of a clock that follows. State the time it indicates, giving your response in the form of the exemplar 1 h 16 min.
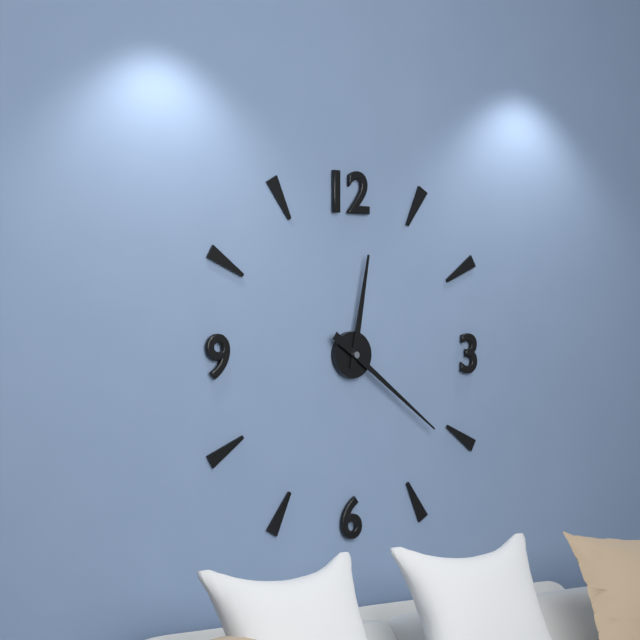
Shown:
12 h 21 min
